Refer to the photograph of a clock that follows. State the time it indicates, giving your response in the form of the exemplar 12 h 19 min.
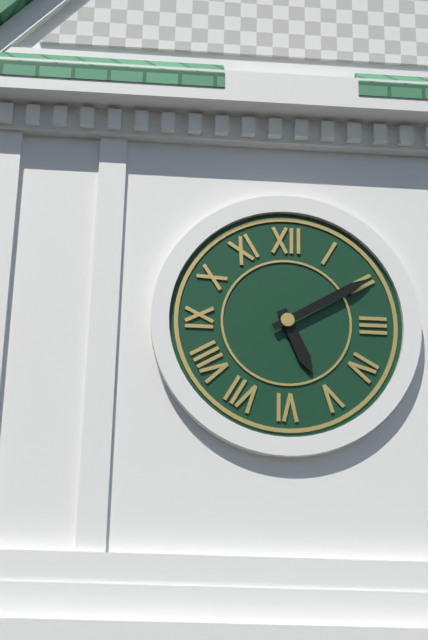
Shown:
5 h 10 min
